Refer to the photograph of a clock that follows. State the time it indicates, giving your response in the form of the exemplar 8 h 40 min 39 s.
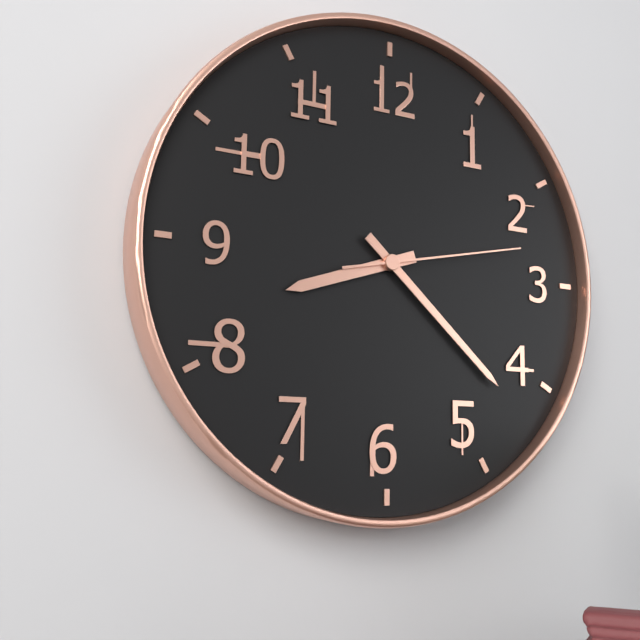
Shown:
8 h 22 min 13 s
